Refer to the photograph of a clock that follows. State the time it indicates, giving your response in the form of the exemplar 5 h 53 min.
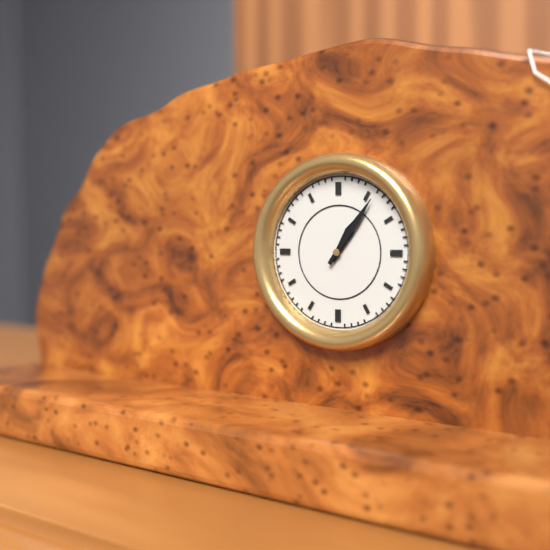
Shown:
1 h 06 min
